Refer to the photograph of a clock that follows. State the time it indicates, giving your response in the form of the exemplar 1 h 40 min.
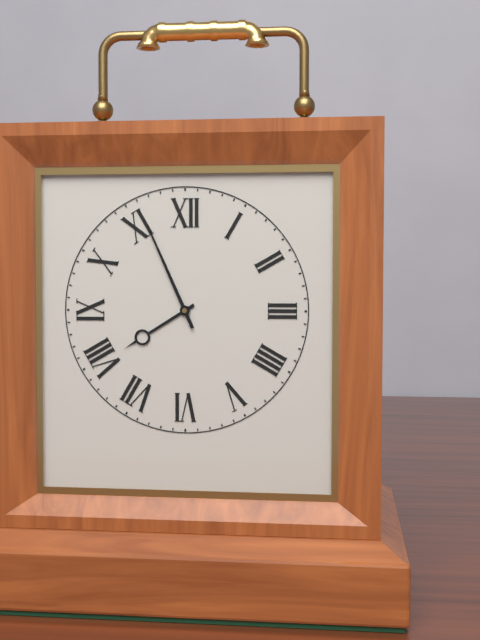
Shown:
7 h 56 min
